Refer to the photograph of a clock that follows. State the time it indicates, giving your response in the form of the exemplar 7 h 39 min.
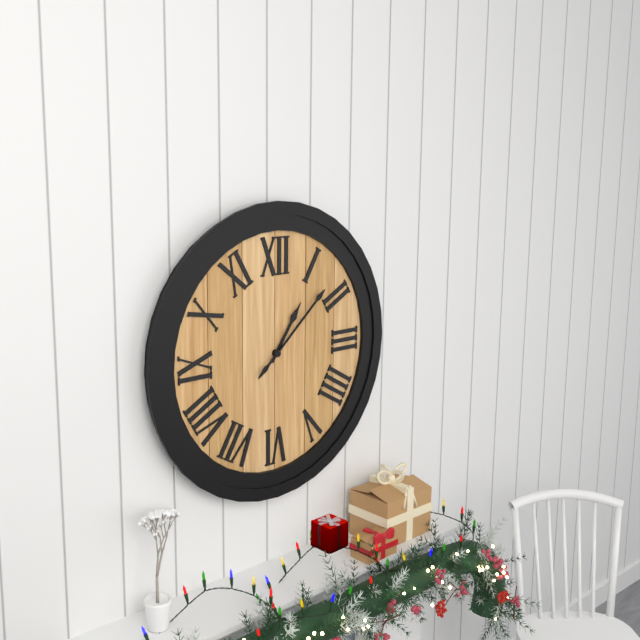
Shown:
1 h 08 min
